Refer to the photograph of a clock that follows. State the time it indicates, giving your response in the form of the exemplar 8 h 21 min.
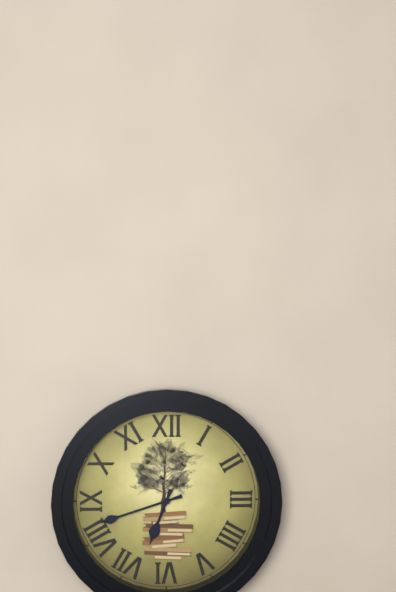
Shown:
6 h 42 min
